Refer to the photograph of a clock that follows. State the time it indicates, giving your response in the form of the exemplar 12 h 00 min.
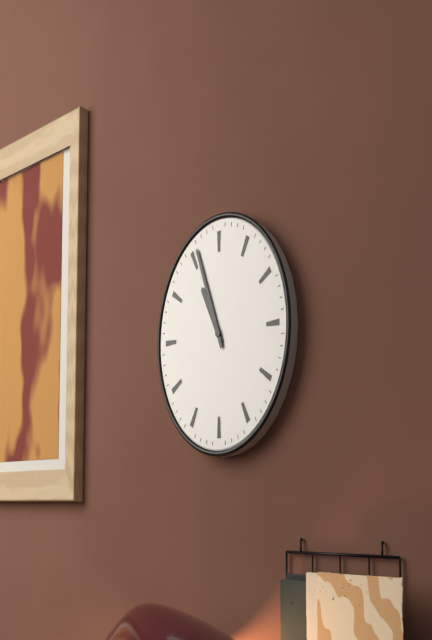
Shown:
10 h 56 min
